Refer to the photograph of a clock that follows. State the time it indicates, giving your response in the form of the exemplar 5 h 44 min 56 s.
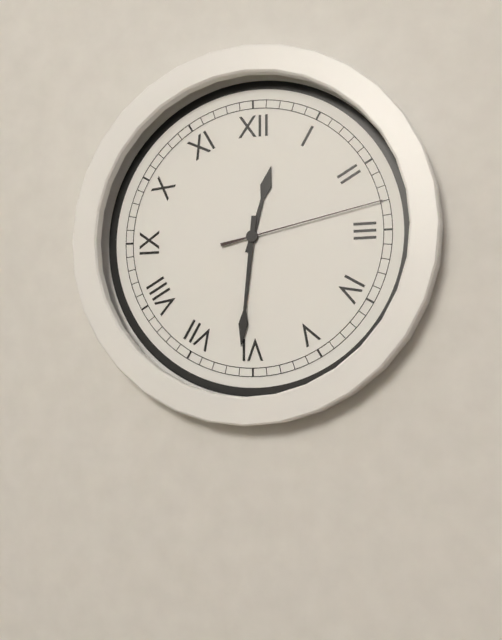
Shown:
12 h 31 min 13 s
